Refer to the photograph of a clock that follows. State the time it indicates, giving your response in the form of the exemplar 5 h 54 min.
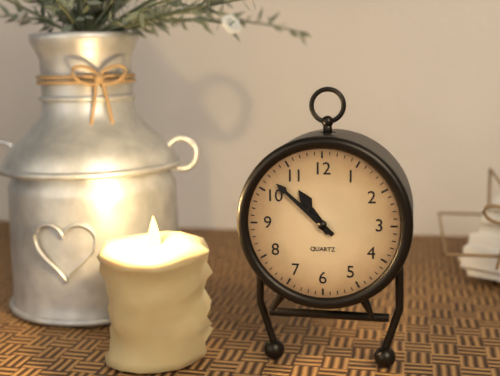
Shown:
10 h 52 min
